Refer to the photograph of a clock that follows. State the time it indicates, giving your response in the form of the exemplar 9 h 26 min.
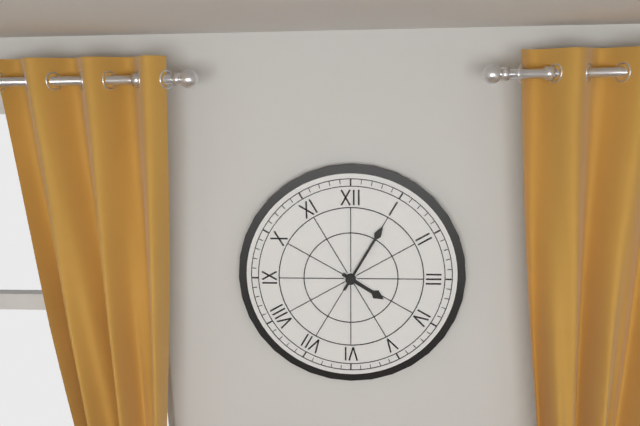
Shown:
4 h 05 min
